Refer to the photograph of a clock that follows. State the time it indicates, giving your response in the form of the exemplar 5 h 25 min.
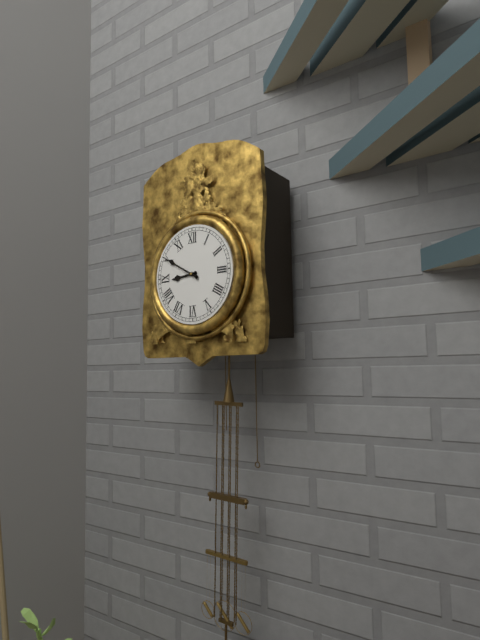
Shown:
8 h 50 min
